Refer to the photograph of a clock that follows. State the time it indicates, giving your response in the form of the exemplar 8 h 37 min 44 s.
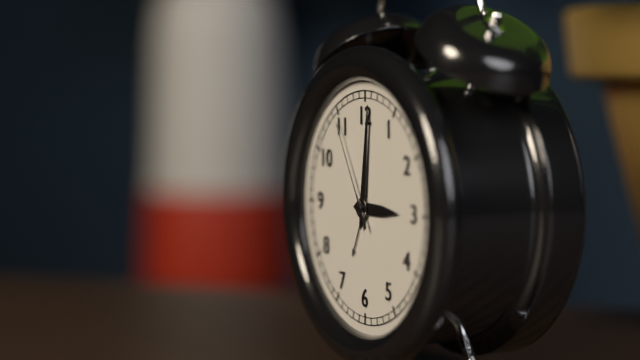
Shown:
3 h 01 min 55 s
